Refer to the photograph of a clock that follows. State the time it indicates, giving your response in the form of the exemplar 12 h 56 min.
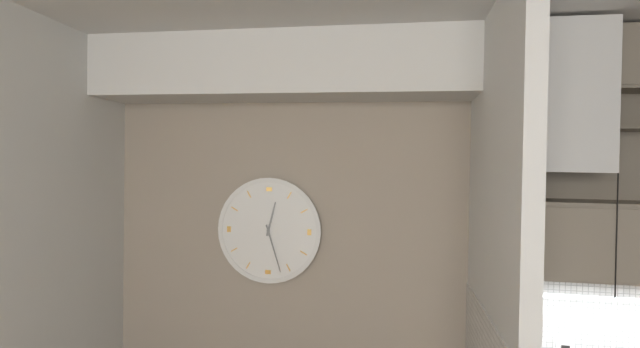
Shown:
12 h 27 min
